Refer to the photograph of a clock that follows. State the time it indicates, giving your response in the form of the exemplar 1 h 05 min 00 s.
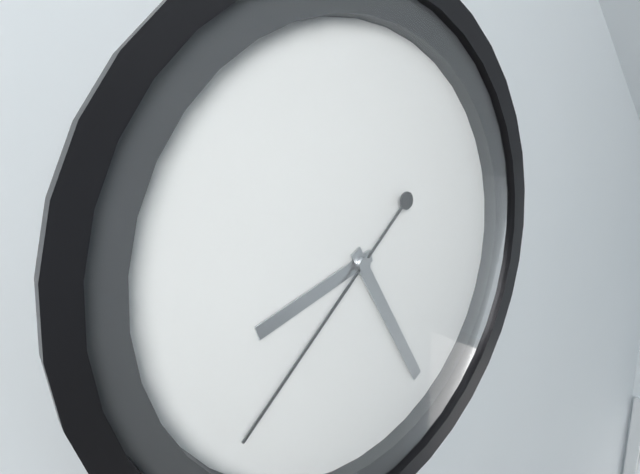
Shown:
8 h 25 min 38 s
